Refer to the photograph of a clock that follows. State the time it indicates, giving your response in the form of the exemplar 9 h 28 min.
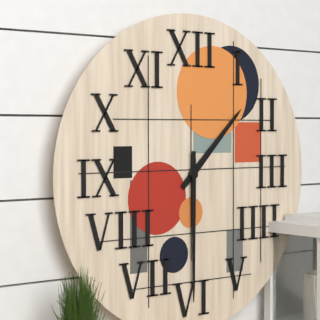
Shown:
1 h 30 min
